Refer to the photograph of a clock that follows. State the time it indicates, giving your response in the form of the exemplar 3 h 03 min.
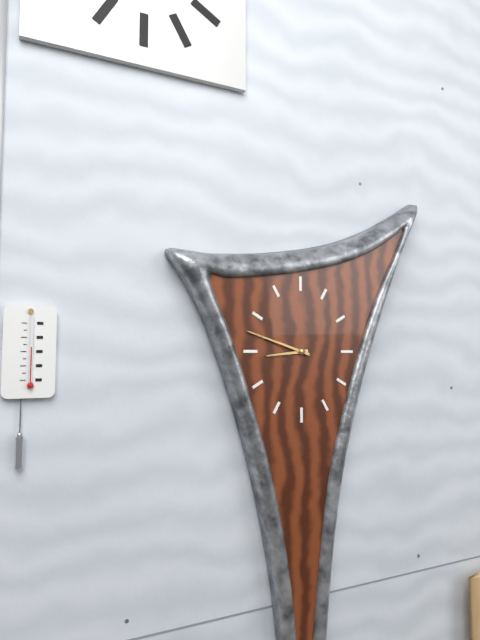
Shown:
8 h 48 min
